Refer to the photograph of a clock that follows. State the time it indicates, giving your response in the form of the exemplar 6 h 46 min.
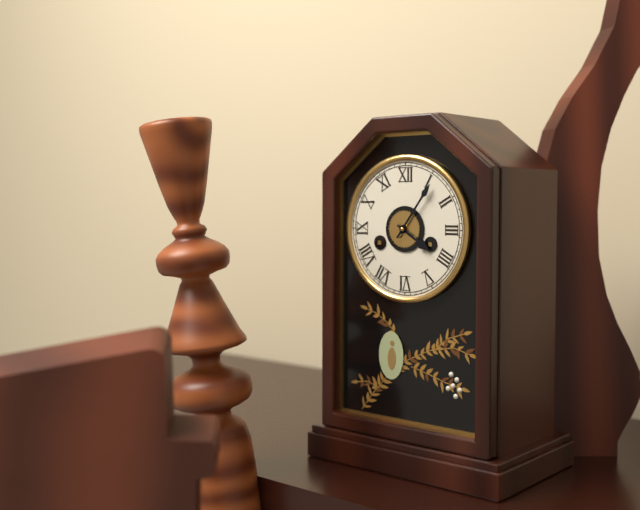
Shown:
4 h 06 min
